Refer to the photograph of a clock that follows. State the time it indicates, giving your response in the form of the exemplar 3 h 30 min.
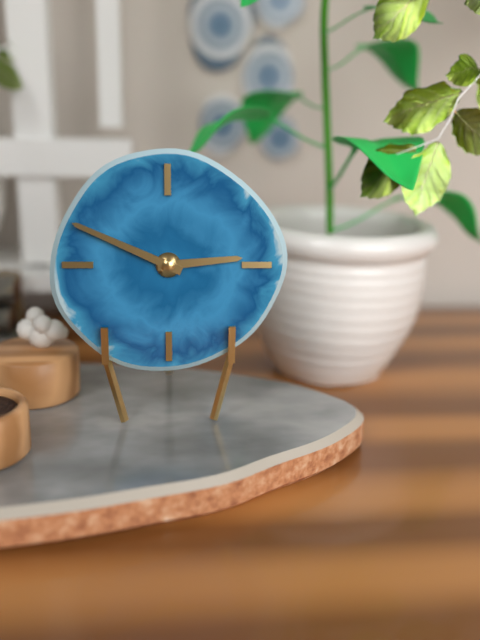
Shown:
2 h 49 min
